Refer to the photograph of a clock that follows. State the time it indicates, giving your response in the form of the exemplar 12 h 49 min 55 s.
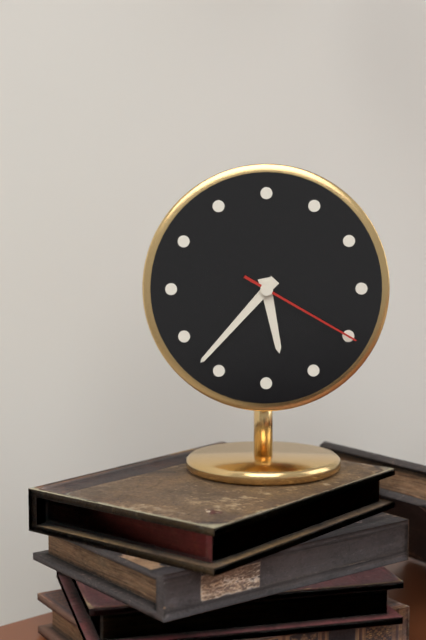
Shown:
5 h 37 min 20 s
